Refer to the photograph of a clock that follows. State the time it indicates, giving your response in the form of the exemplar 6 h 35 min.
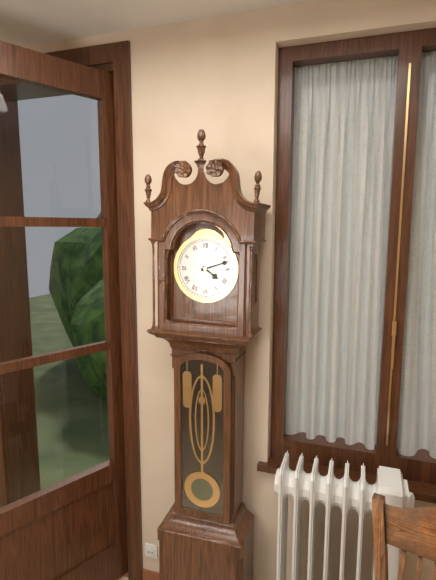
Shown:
4 h 12 min
